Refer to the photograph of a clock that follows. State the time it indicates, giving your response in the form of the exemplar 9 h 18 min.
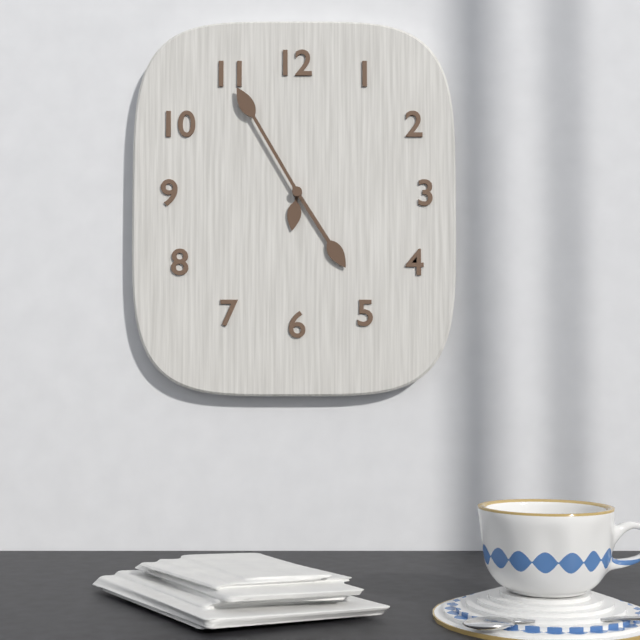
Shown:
4 h 55 min
